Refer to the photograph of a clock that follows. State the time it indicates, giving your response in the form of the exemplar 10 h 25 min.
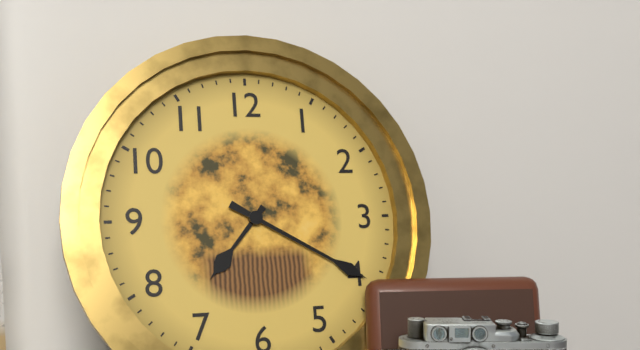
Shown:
7 h 20 min
